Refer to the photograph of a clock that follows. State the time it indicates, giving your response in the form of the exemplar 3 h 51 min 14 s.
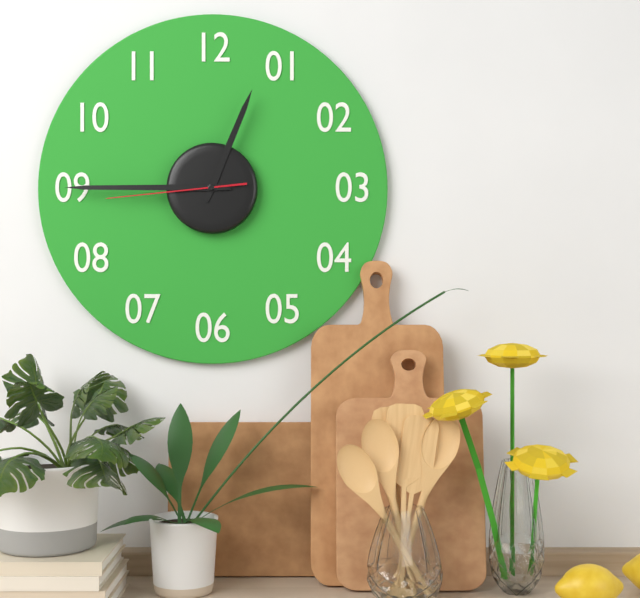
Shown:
12 h 45 min 44 s
